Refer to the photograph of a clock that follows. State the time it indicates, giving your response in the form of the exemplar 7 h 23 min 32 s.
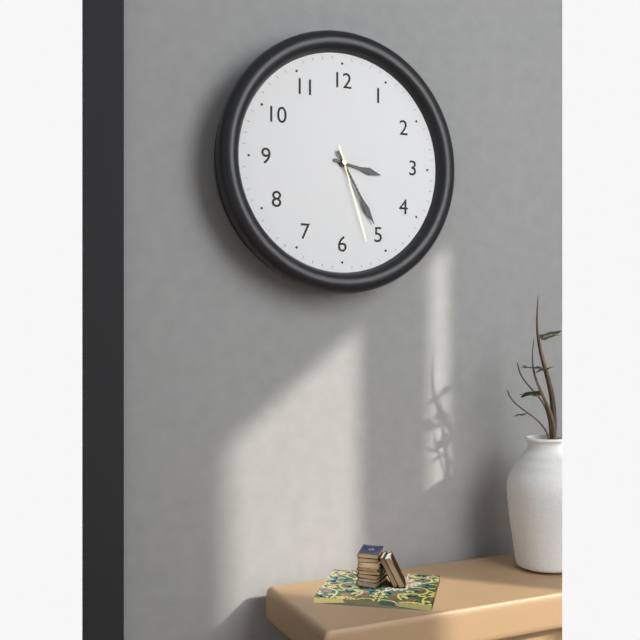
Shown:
3 h 25 min 27 s
